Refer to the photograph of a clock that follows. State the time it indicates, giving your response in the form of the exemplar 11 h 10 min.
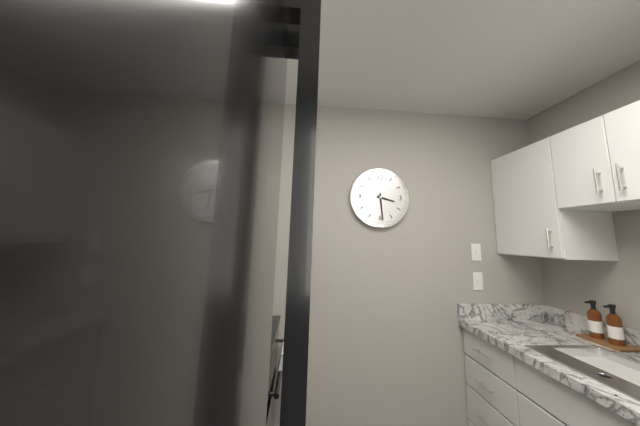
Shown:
3 h 29 min
